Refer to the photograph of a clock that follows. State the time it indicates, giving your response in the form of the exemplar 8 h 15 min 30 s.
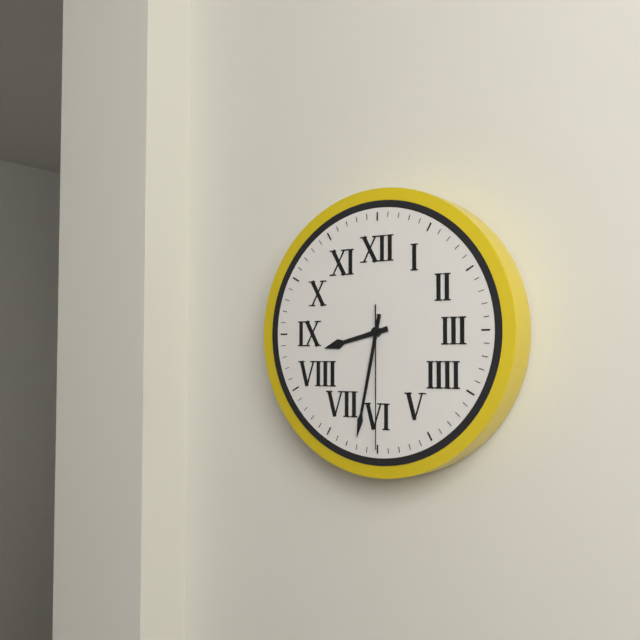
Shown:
8 h 32 min 30 s
